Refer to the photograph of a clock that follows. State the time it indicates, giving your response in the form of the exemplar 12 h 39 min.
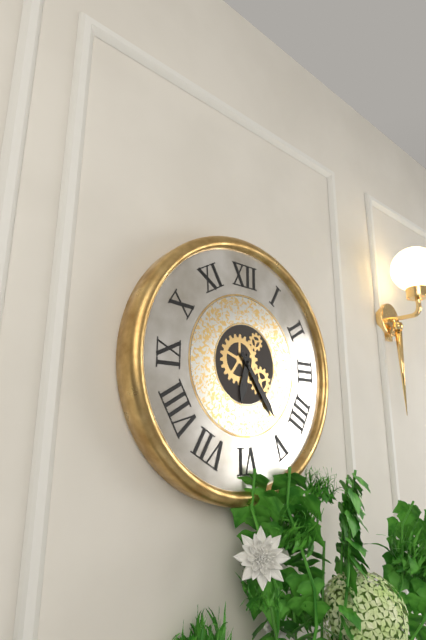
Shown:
6 h 24 min
